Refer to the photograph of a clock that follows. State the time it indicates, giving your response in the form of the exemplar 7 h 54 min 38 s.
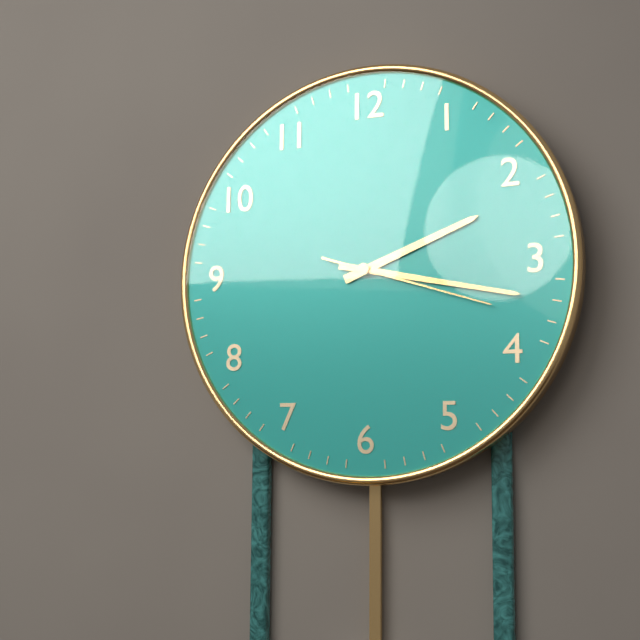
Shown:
2 h 17 min 18 s
